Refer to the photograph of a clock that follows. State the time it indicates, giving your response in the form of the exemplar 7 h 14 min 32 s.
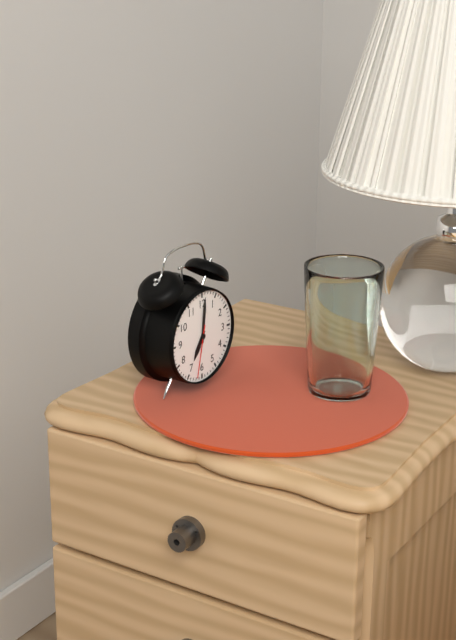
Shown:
7 h 01 min 32 s
